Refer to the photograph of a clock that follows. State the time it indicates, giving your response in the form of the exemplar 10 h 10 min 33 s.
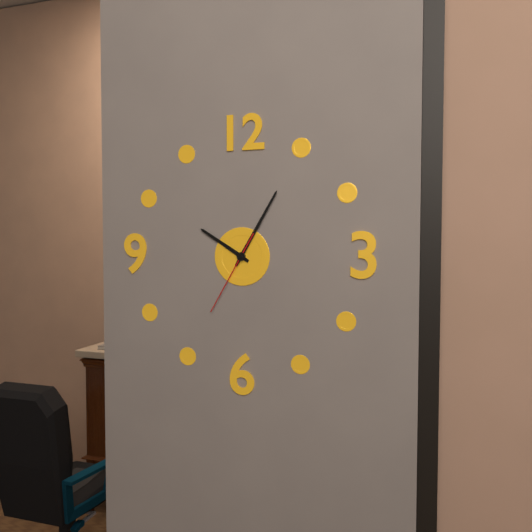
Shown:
10 h 05 min 35 s
